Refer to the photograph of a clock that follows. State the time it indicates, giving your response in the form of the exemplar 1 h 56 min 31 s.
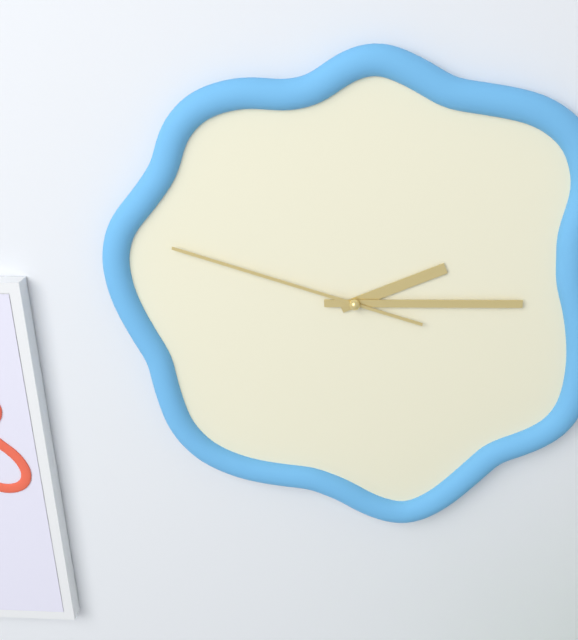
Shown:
2 h 15 min 48 s
